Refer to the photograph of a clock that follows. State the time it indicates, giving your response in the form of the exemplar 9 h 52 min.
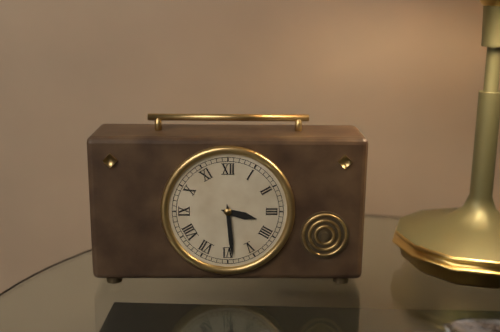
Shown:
3 h 29 min
